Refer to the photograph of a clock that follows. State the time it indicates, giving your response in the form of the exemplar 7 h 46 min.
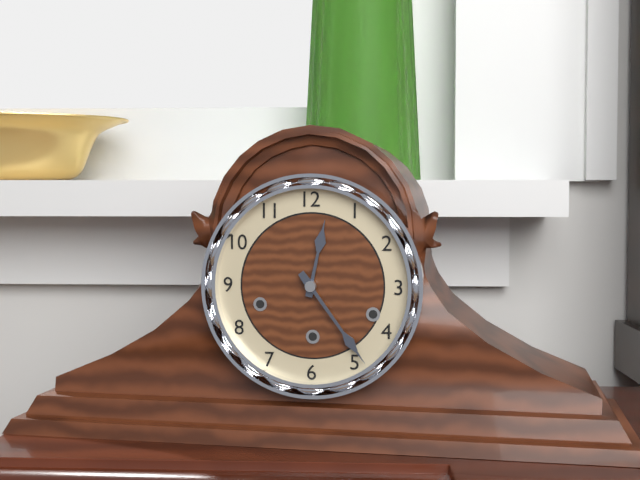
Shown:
12 h 24 min
